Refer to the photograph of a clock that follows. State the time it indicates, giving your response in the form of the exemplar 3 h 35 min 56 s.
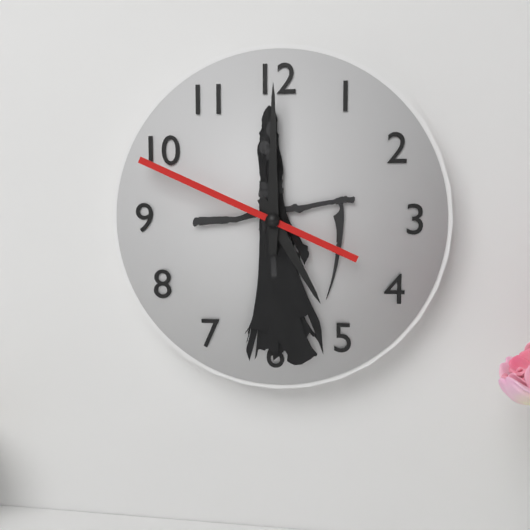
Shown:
5 h 00 min 49 s
